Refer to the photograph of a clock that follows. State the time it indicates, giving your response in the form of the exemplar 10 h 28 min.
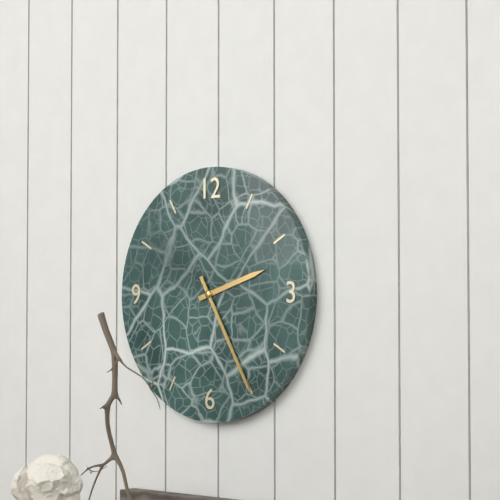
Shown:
2 h 25 min
